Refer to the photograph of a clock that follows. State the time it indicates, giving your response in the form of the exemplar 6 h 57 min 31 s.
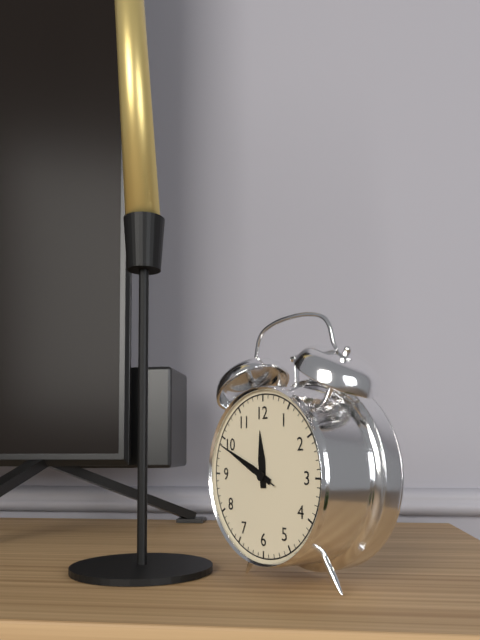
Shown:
11 h 49 min 49 s
